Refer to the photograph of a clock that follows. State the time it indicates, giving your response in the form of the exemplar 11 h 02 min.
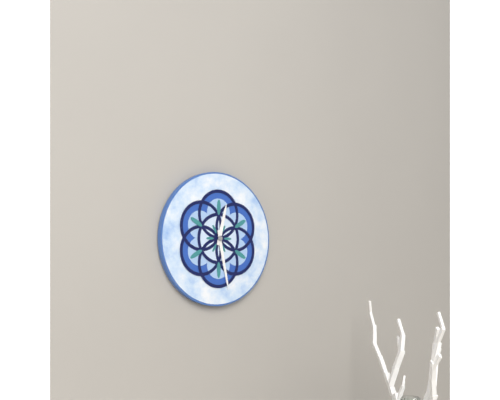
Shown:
12 h 28 min
